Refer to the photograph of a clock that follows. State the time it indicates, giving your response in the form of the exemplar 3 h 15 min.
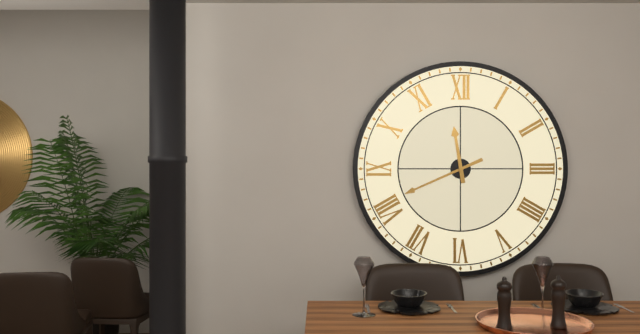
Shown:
11 h 41 min
